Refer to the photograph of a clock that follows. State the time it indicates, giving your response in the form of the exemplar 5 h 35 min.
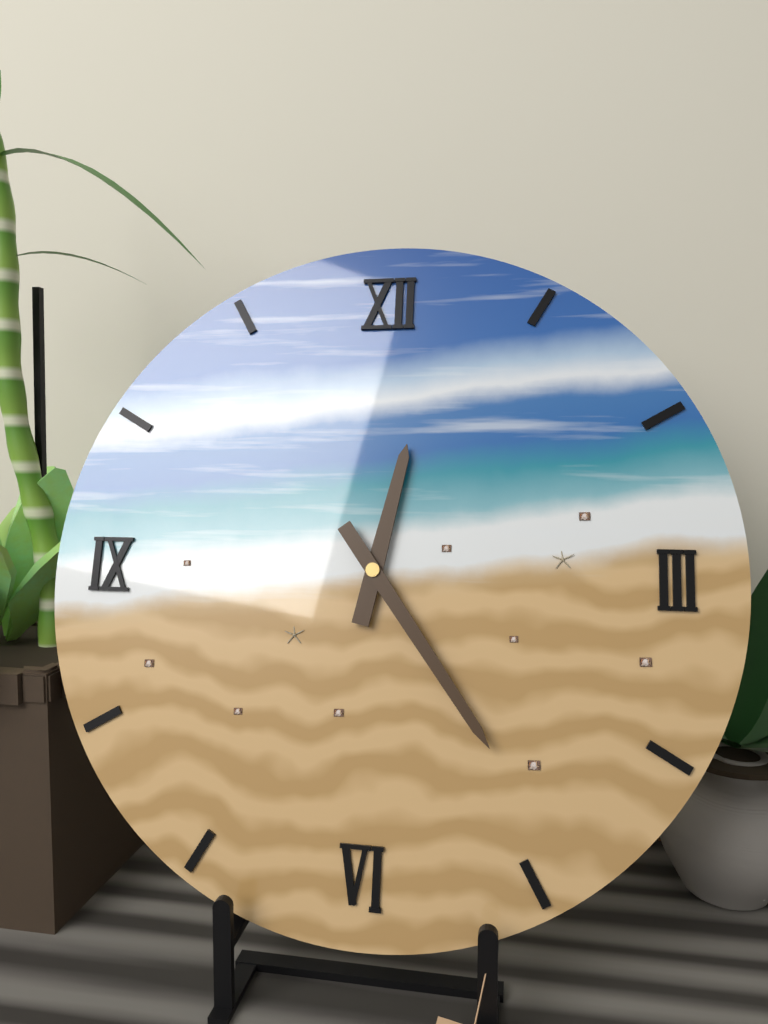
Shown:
12 h 24 min
